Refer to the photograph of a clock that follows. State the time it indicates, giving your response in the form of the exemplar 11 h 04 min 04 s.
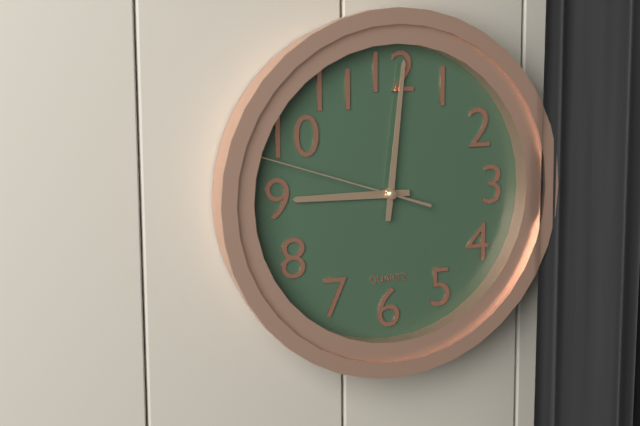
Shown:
9 h 01 min 48 s
